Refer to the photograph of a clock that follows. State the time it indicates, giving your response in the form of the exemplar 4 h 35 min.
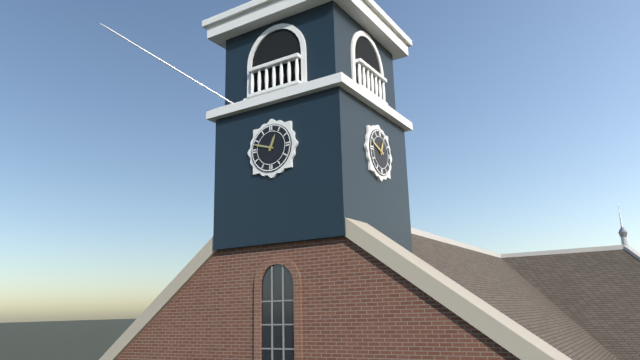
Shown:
12 h 48 min
